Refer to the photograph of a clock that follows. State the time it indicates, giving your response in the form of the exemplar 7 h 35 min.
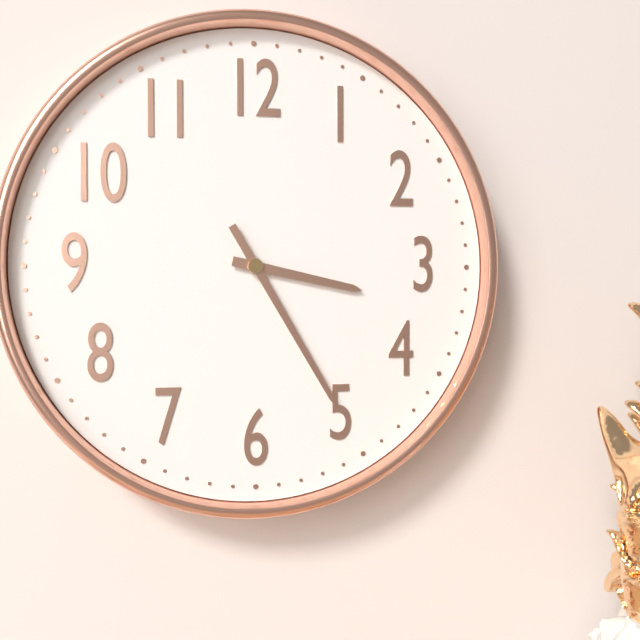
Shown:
3 h 25 min
